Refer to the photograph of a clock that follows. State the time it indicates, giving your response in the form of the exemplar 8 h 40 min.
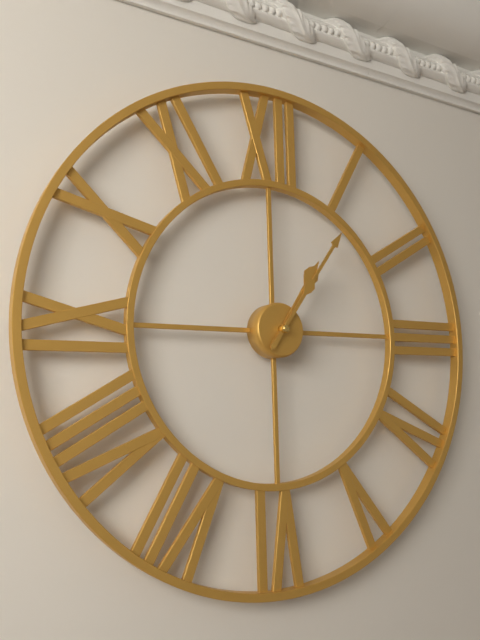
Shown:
1 h 06 min
